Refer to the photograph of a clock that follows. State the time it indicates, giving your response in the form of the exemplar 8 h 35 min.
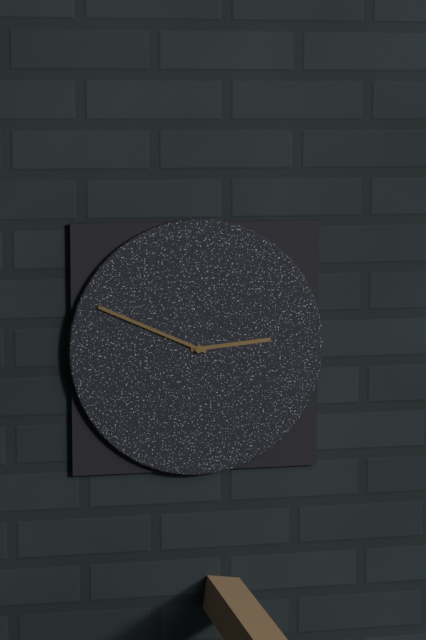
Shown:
2 h 49 min
